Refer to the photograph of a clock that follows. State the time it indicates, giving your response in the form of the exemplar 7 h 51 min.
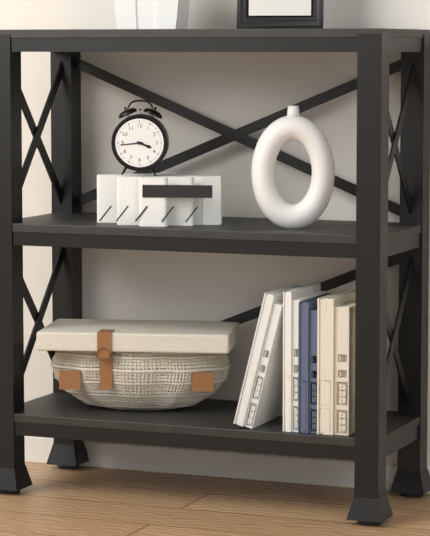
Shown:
3 h 44 min
